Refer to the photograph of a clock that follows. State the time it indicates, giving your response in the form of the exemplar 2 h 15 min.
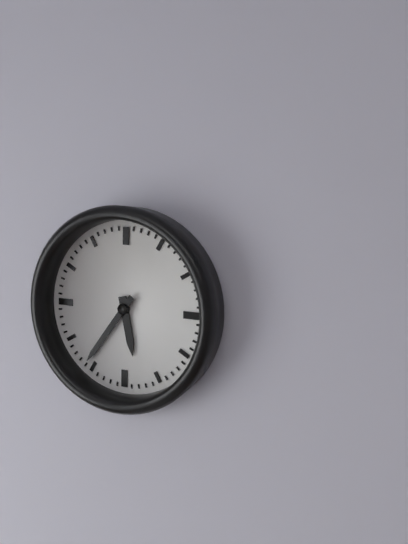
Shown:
5 h 36 min
